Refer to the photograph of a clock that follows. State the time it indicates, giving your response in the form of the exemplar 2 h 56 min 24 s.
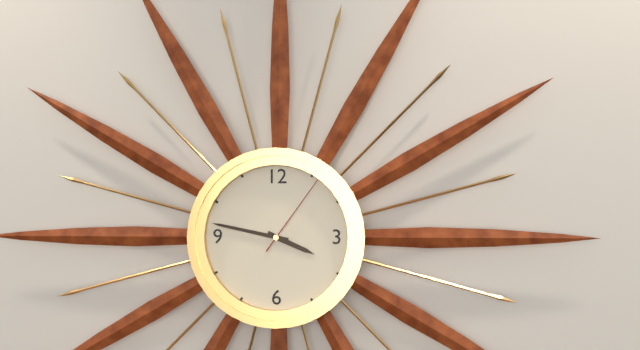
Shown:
3 h 47 min 06 s
